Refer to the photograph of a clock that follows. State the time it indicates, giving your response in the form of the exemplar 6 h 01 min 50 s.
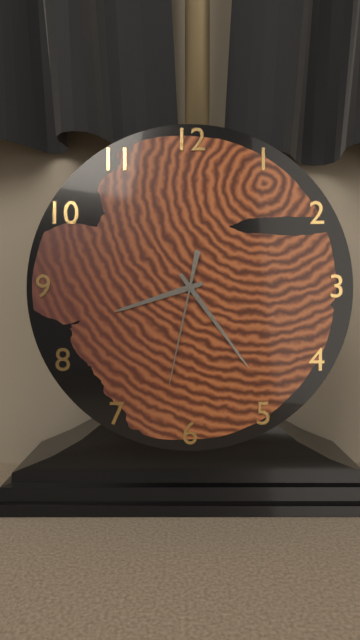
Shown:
8 h 24 min 32 s
